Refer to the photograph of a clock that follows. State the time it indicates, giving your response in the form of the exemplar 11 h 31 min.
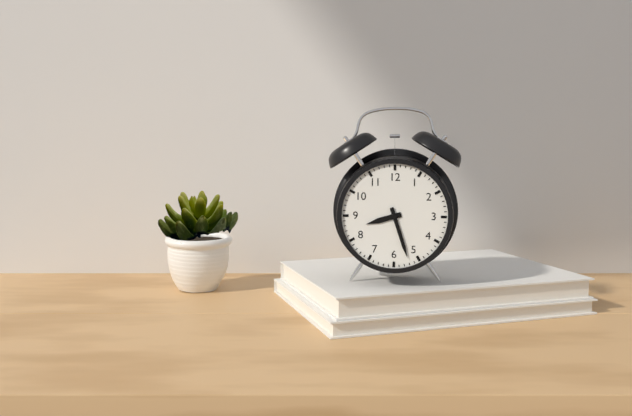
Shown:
8 h 27 min
